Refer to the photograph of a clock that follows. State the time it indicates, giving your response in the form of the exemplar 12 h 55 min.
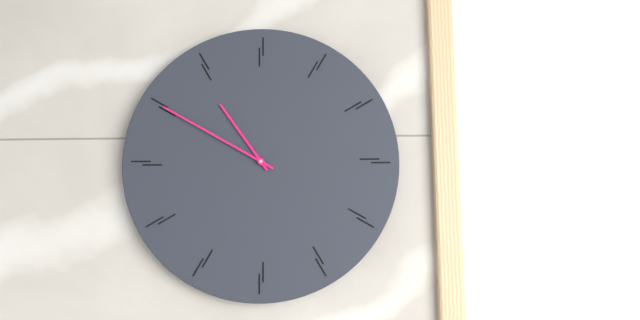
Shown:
10 h 50 min
